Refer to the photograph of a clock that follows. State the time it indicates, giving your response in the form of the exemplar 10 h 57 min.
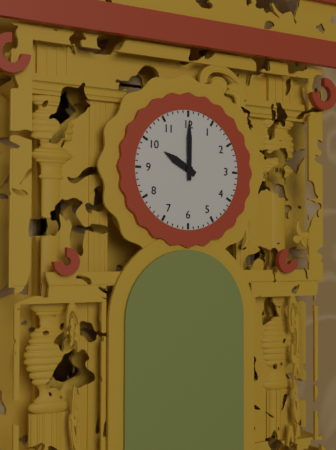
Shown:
10 h 00 min
